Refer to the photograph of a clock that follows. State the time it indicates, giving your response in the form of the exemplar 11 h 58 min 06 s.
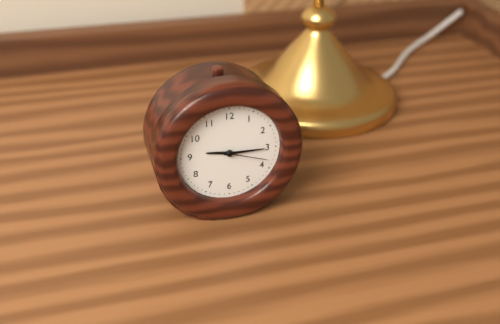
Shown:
9 h 15 min 18 s
